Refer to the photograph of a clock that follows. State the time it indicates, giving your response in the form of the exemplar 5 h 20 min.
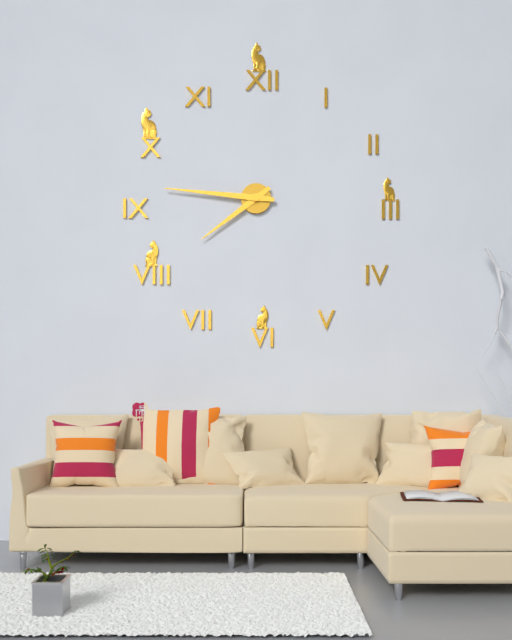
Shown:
7 h 46 min
